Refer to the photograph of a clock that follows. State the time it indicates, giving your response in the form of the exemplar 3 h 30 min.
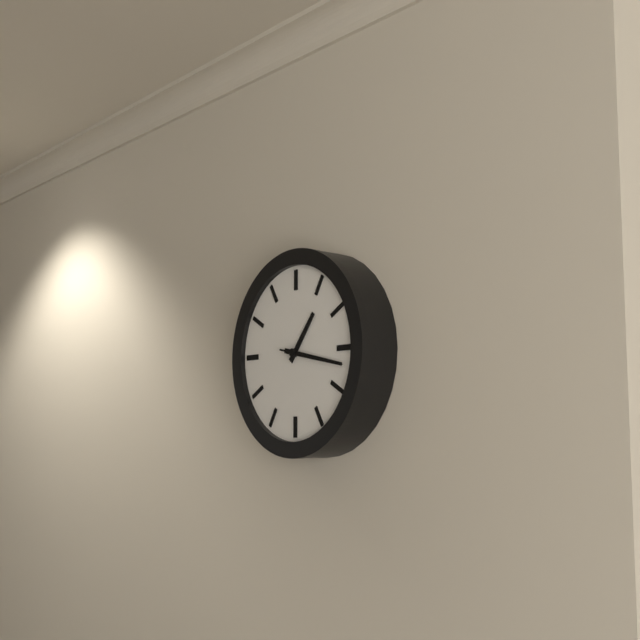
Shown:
1 h 17 min
